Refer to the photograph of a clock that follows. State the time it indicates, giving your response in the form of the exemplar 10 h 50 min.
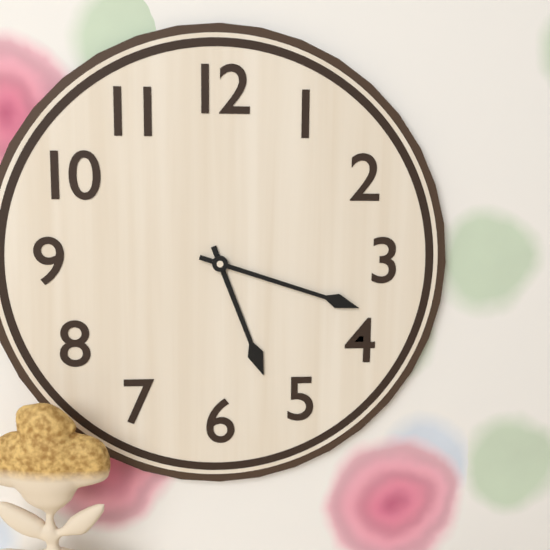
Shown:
5 h 18 min
